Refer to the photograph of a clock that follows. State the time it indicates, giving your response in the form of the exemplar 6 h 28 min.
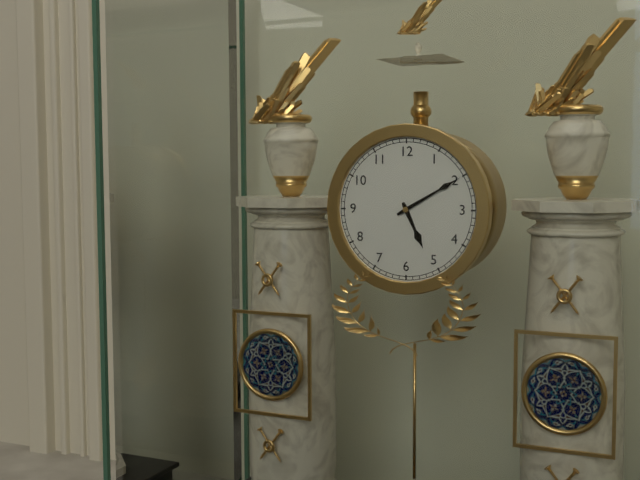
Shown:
5 h 10 min
